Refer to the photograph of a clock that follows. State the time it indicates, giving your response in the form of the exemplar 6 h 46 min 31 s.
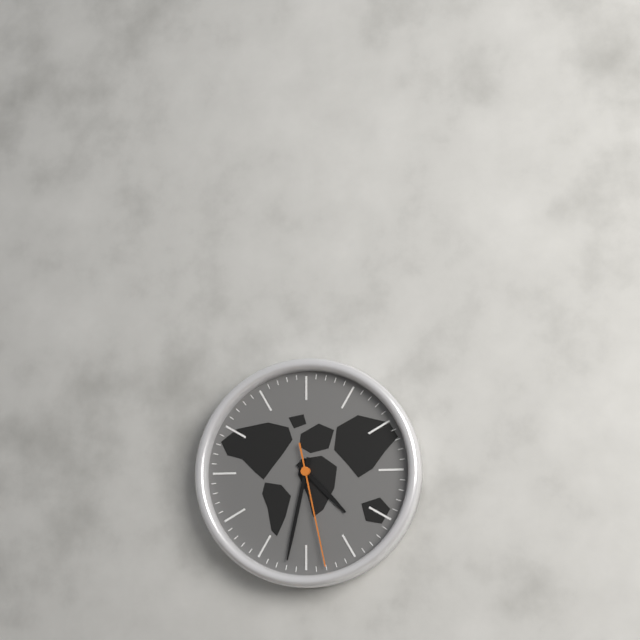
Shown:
4 h 32 min 28 s
